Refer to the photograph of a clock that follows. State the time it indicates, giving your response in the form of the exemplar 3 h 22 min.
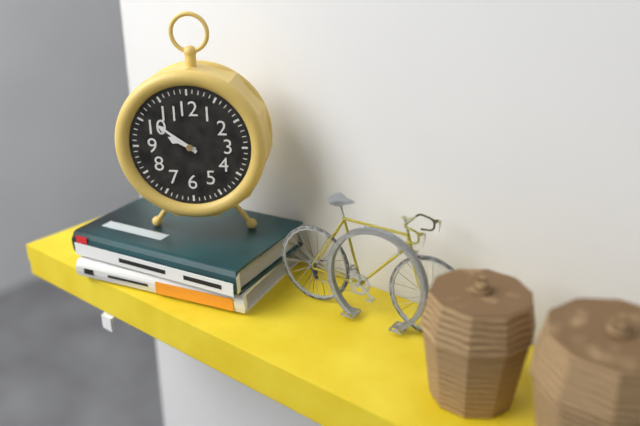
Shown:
9 h 51 min
